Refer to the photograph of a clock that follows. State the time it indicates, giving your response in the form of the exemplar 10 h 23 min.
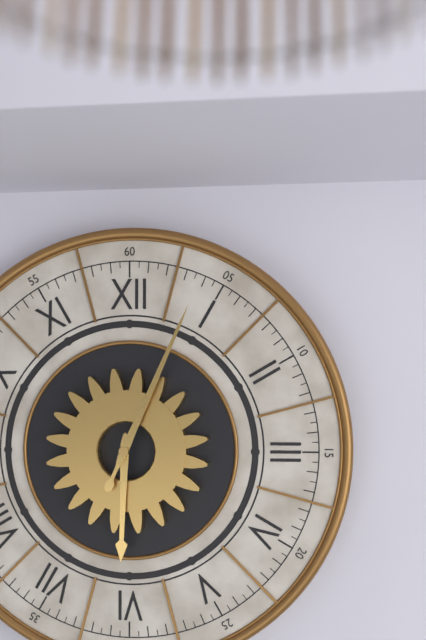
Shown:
6 h 04 min
